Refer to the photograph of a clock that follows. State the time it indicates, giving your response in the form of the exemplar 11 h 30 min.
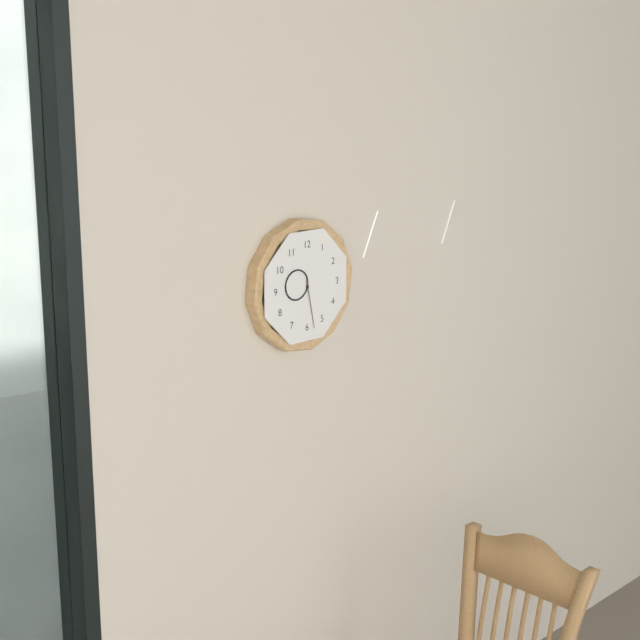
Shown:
9 h 28 min
